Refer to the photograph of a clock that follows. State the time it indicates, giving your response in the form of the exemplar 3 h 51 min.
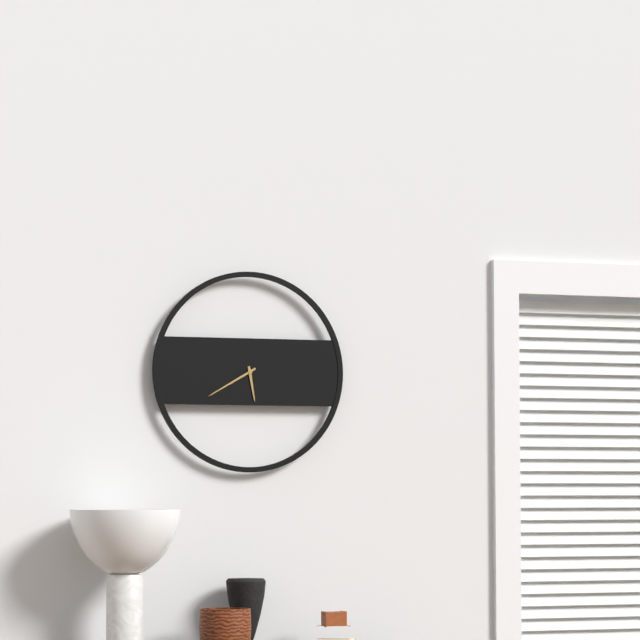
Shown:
5 h 40 min
